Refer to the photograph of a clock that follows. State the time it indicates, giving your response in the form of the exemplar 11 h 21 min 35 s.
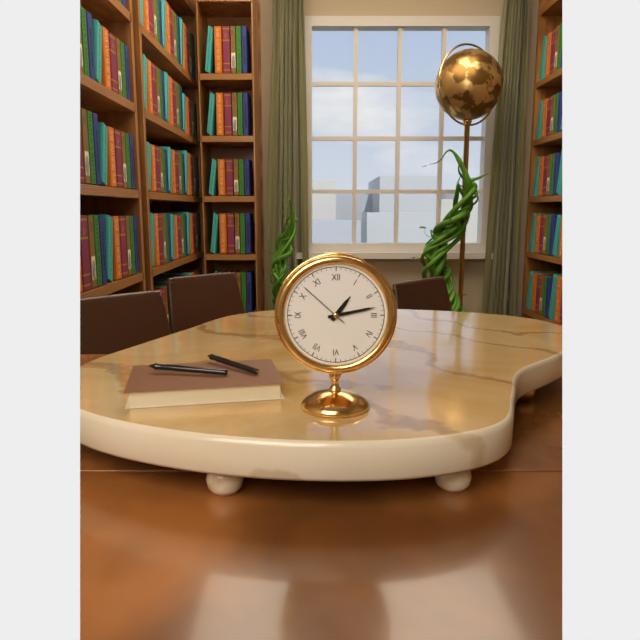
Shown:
1 h 13 min 52 s
